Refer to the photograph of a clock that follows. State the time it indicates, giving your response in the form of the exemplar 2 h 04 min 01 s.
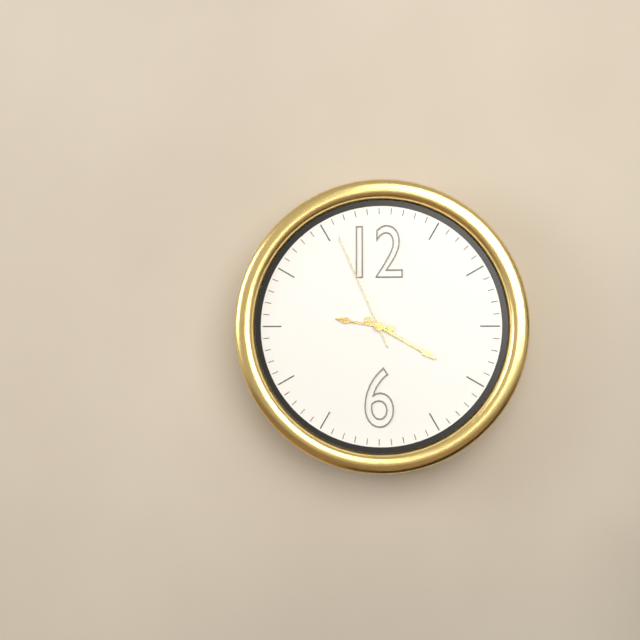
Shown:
9 h 20 min 56 s
